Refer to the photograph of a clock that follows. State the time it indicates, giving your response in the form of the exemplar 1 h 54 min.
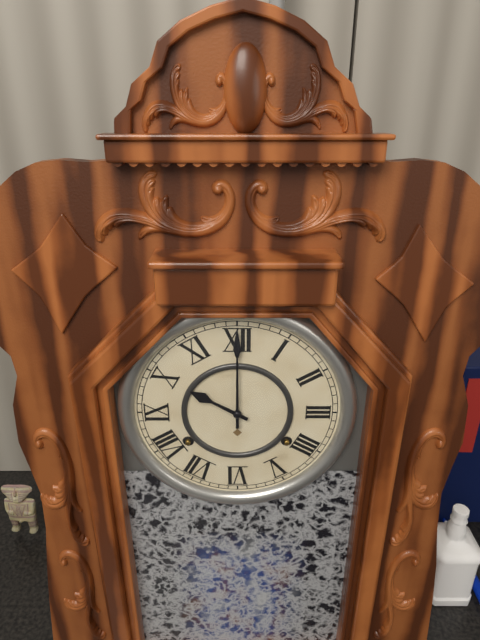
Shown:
10 h 00 min
